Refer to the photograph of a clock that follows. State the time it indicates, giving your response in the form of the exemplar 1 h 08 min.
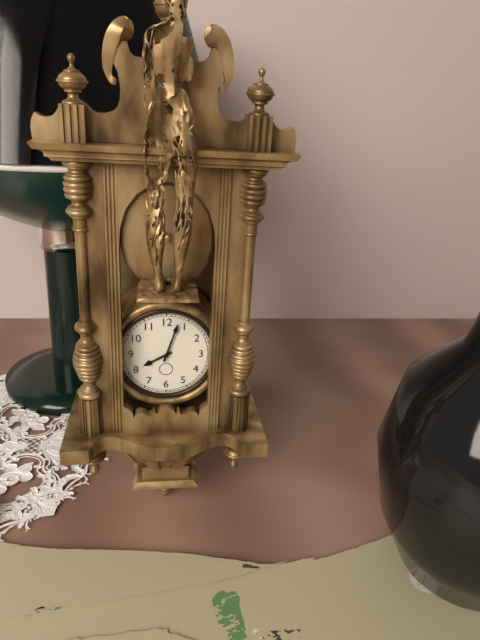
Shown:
8 h 03 min
